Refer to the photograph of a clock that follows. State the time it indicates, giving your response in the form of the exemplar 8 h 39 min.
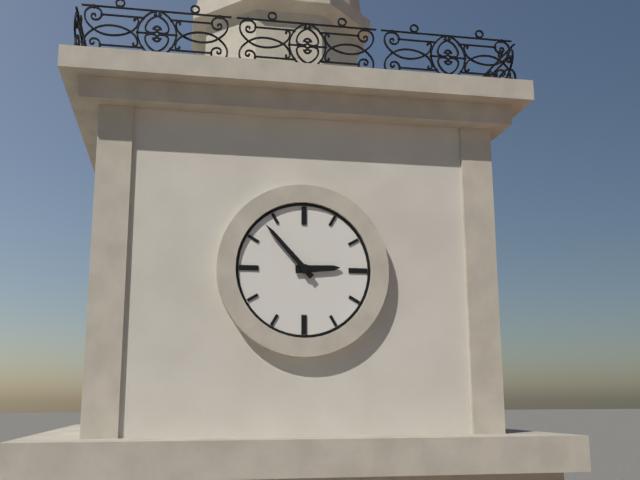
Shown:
2 h 53 min
